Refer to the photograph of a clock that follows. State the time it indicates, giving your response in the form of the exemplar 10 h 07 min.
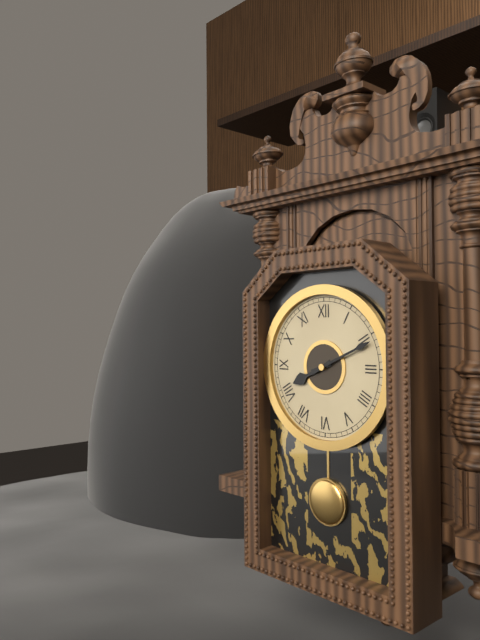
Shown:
8 h 11 min
